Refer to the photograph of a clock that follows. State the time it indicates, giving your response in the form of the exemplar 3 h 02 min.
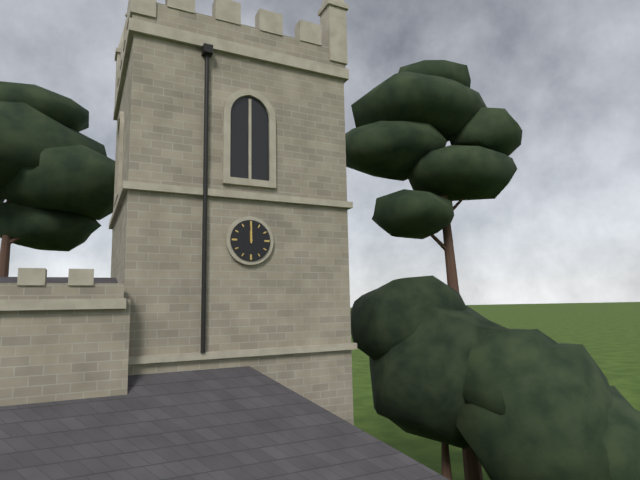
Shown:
12 h 00 min
